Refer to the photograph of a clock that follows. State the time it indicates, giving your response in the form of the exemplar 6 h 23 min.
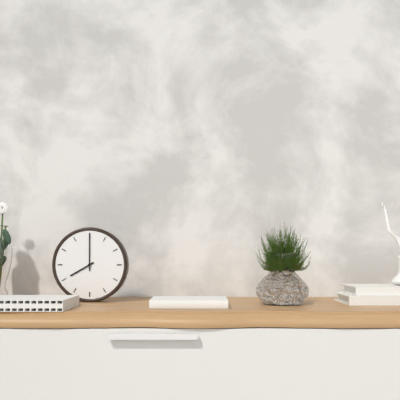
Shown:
8 h 00 min
